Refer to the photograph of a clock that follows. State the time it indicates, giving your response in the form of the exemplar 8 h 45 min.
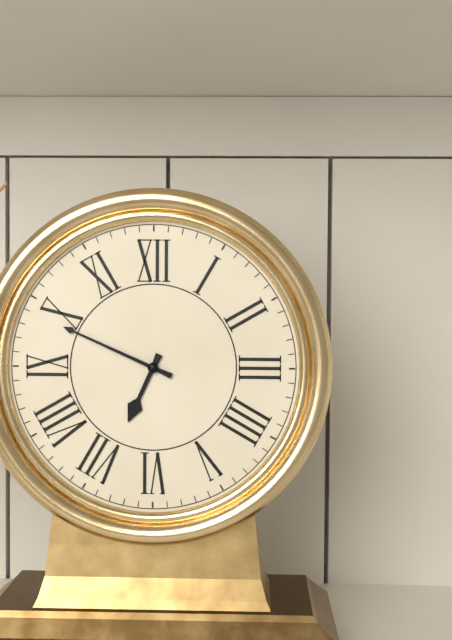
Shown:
6 h 49 min
